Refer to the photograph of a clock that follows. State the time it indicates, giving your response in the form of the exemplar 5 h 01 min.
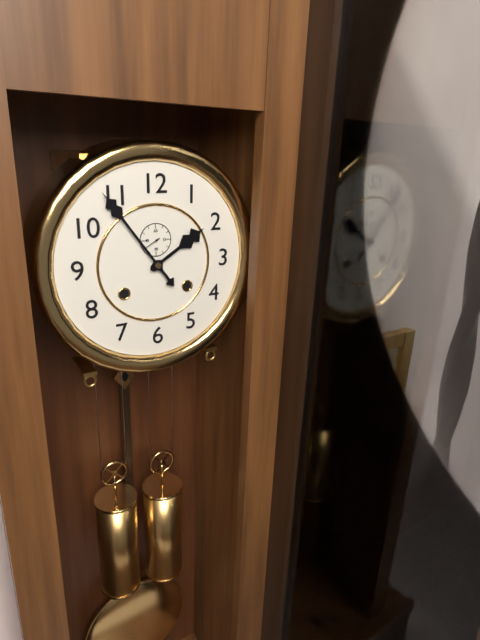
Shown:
1 h 54 min
